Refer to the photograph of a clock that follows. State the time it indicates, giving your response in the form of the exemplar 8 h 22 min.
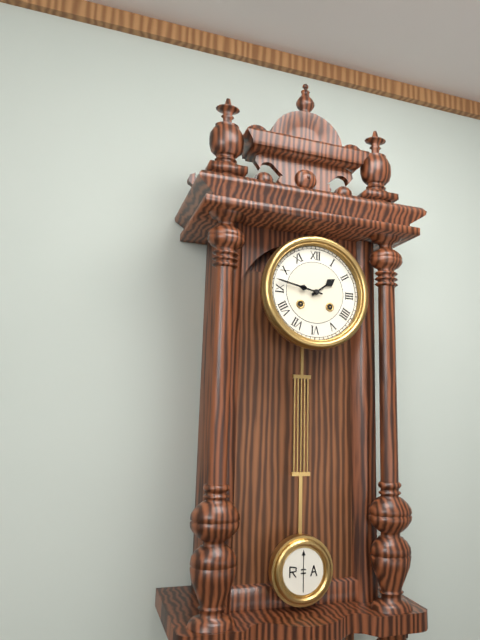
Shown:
1 h 47 min
